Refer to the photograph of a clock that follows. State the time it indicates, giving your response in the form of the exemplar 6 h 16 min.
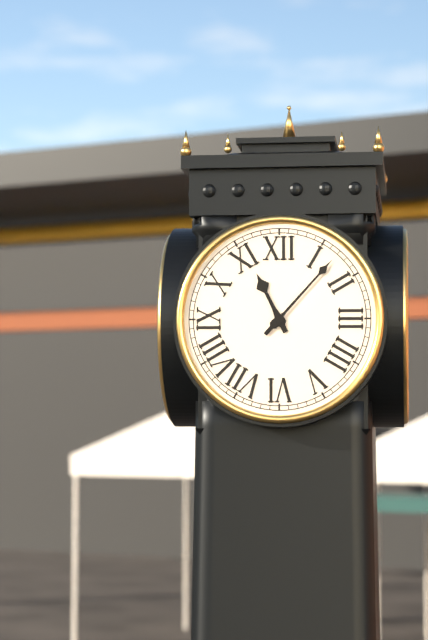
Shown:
11 h 07 min
